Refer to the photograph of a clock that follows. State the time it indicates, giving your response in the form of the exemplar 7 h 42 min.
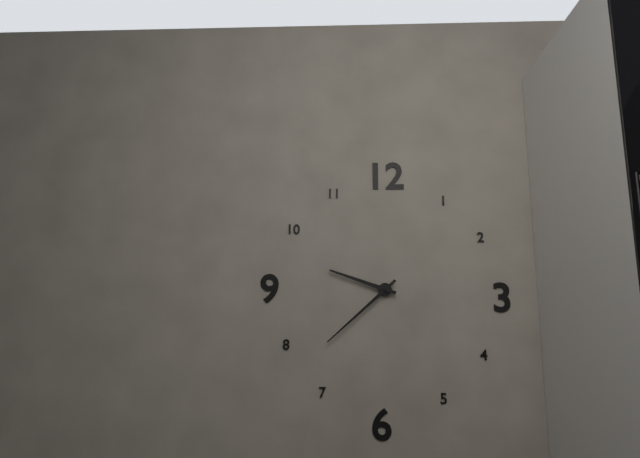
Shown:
9 h 38 min
